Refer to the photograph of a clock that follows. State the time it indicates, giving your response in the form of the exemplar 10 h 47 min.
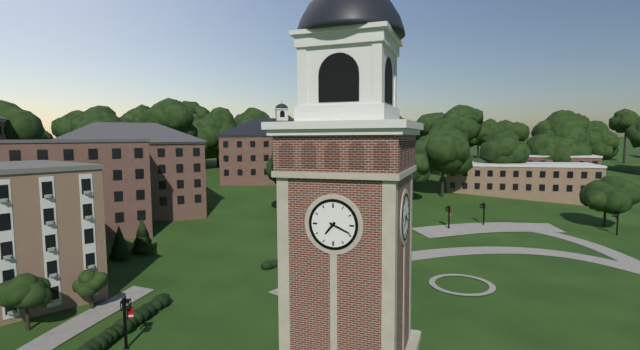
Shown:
7 h 19 min
